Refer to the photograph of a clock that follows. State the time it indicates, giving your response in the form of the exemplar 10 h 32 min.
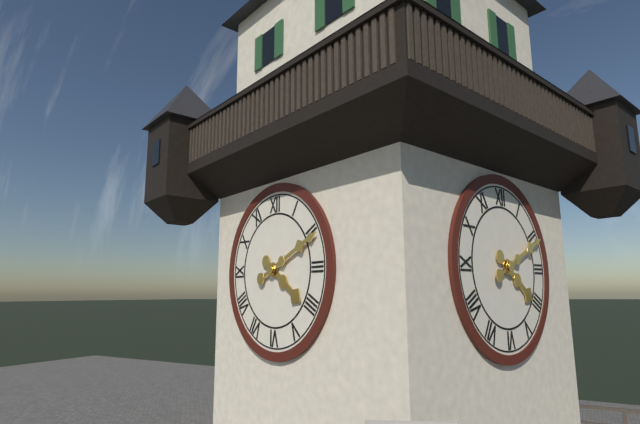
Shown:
4 h 11 min
